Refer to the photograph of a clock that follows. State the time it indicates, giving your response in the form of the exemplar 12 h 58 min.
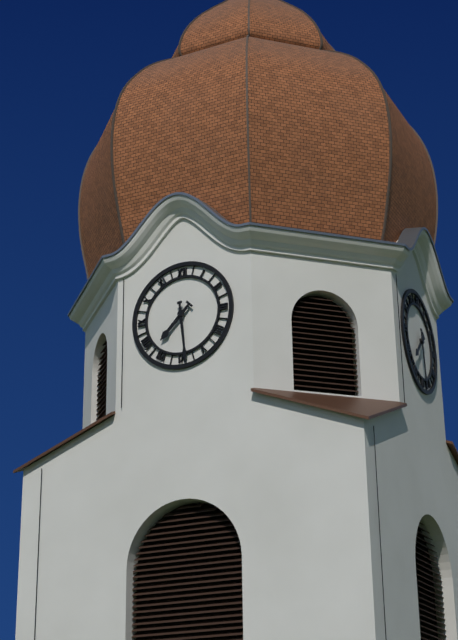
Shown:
7 h 29 min
